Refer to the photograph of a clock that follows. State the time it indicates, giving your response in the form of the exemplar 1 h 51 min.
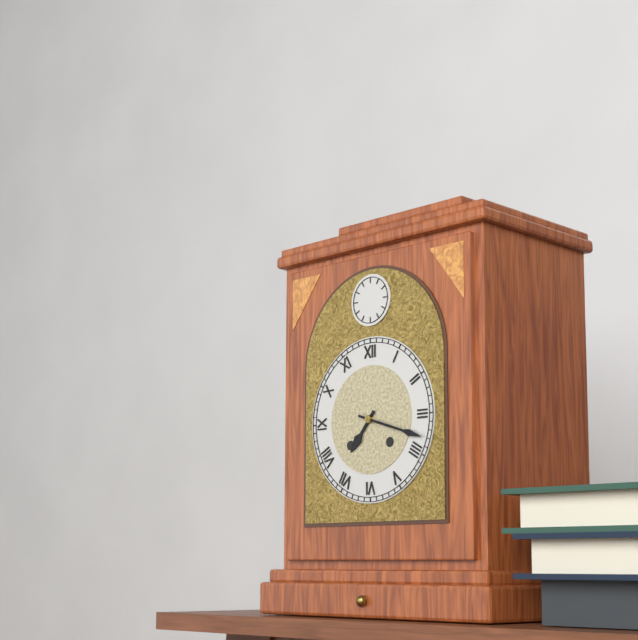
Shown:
7 h 18 min
